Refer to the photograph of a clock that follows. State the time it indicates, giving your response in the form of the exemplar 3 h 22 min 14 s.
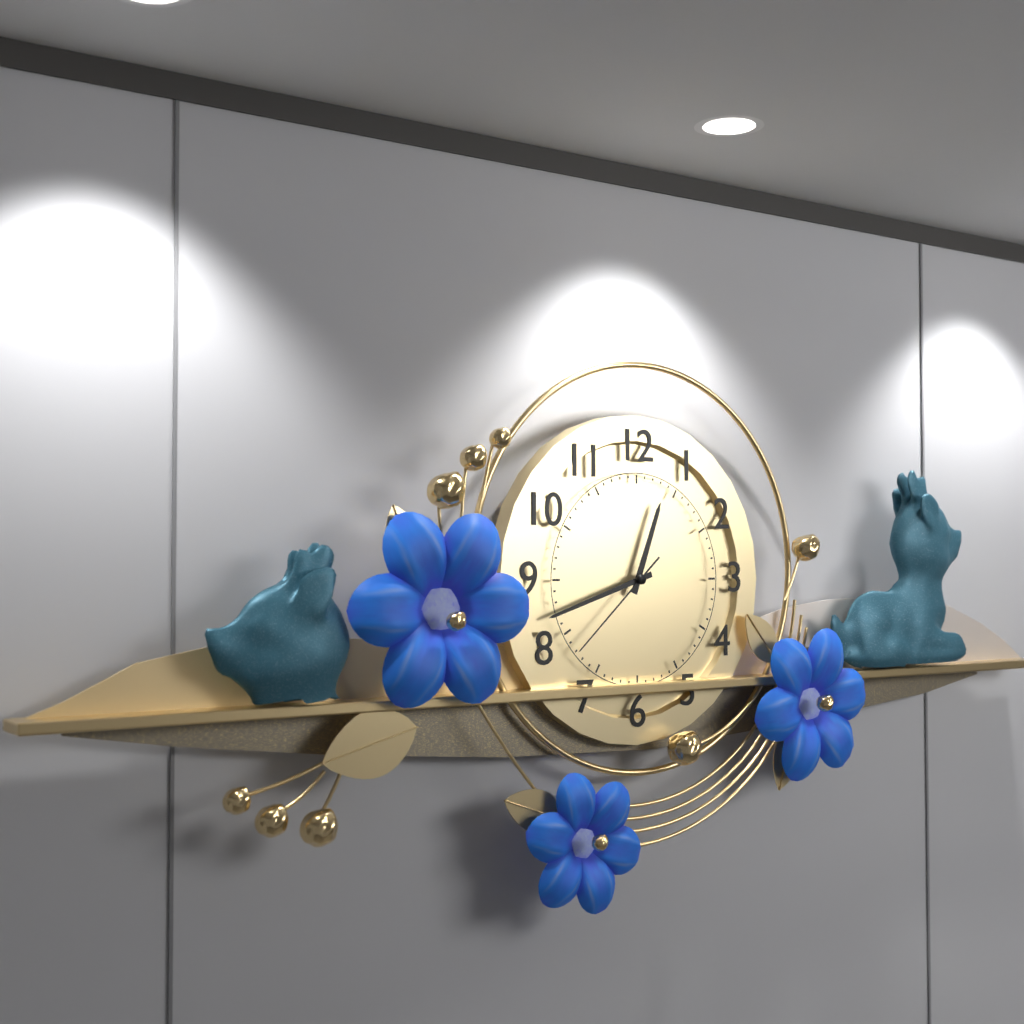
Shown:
12 h 42 min 38 s
